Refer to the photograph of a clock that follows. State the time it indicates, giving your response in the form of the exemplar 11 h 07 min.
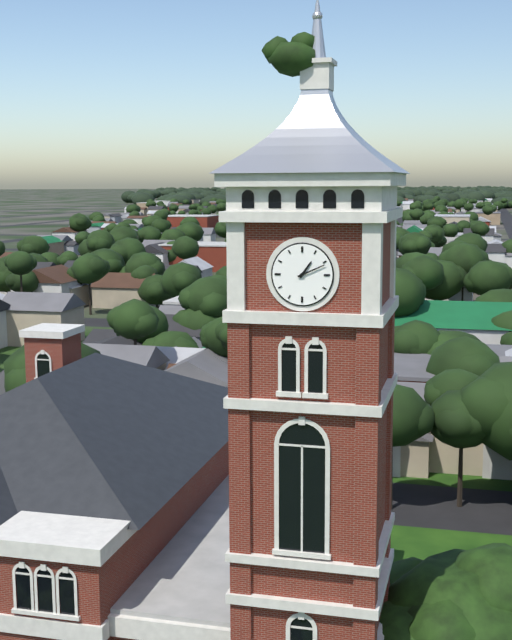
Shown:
1 h 11 min
